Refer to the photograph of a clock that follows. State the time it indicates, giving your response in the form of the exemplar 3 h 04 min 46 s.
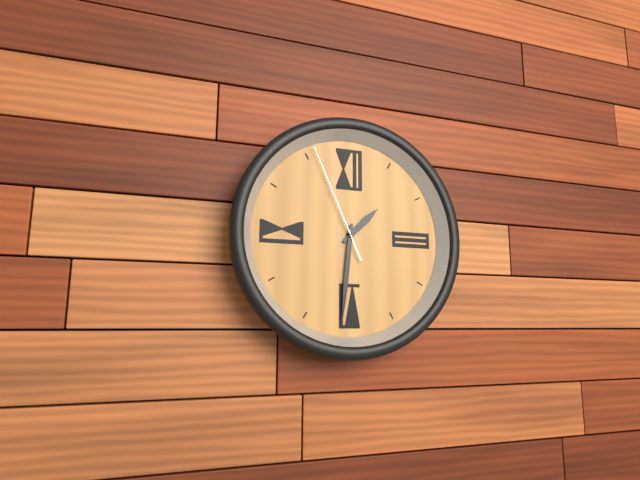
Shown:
1 h 31 min 56 s
